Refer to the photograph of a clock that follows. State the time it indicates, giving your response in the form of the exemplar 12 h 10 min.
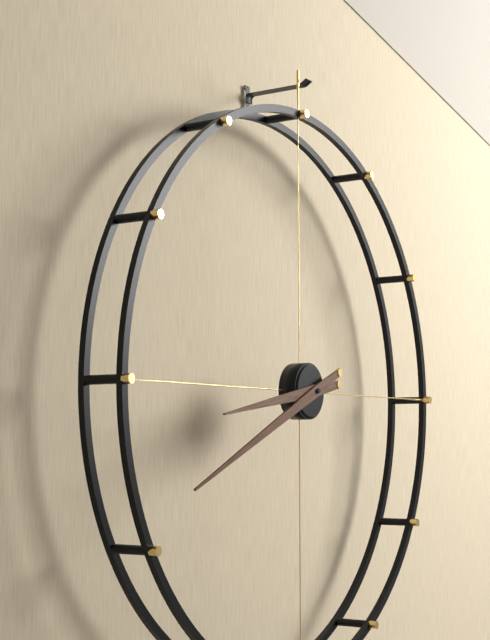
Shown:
8 h 41 min
